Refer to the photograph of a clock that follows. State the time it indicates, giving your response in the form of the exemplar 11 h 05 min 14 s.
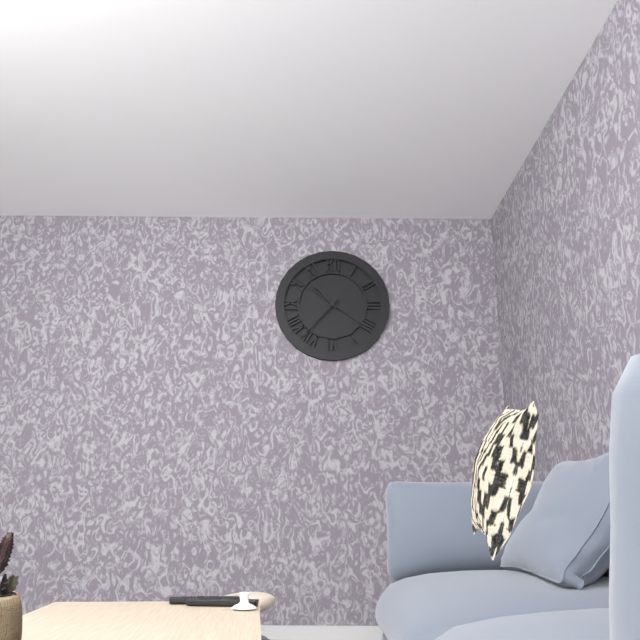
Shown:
10 h 37 min 51 s
